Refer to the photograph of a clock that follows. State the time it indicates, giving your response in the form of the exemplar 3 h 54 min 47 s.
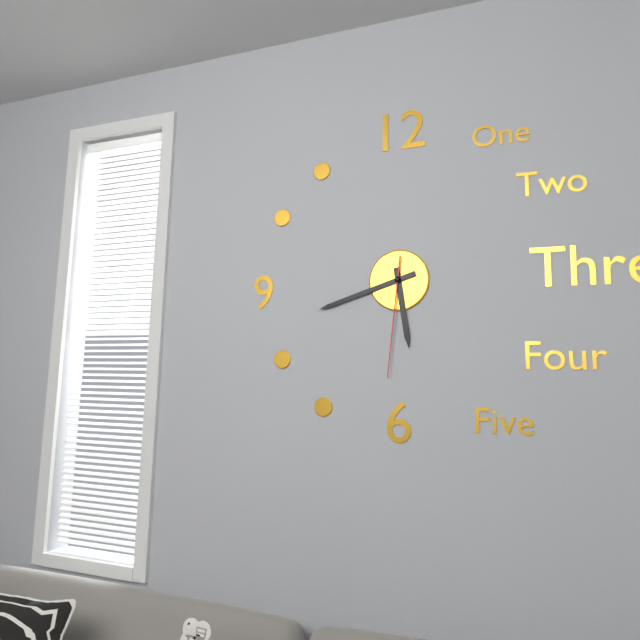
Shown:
5 h 42 min 31 s
